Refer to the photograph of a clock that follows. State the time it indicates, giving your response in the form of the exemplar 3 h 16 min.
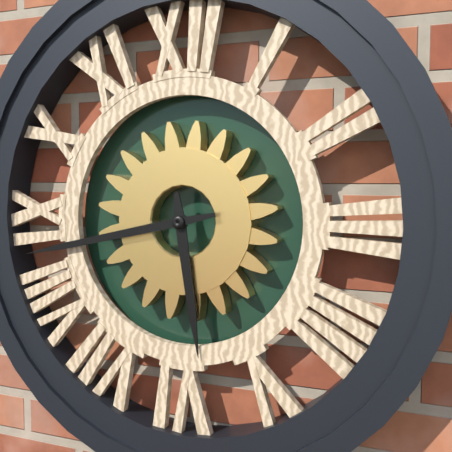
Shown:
5 h 43 min
